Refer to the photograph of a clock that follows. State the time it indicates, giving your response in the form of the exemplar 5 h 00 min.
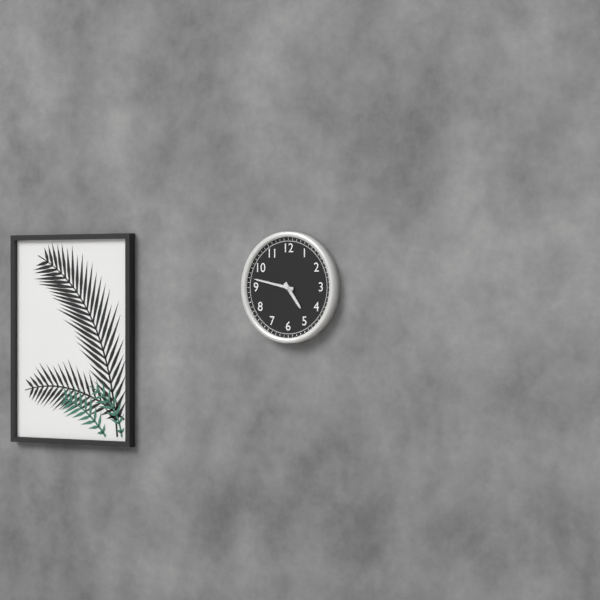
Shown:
4 h 47 min
